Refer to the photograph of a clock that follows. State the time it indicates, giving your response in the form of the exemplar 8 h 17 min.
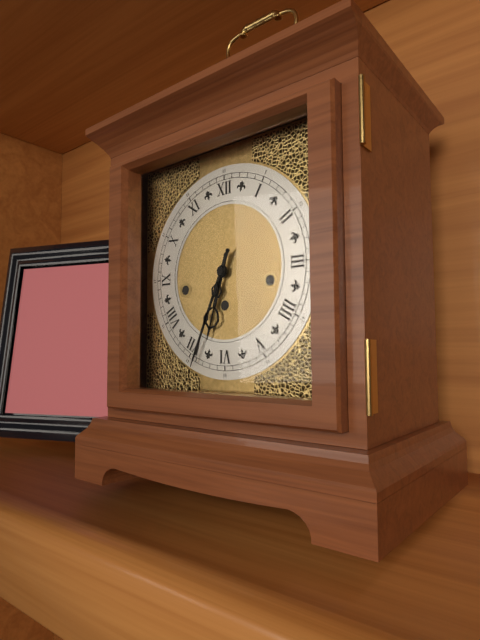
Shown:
6 h 34 min
